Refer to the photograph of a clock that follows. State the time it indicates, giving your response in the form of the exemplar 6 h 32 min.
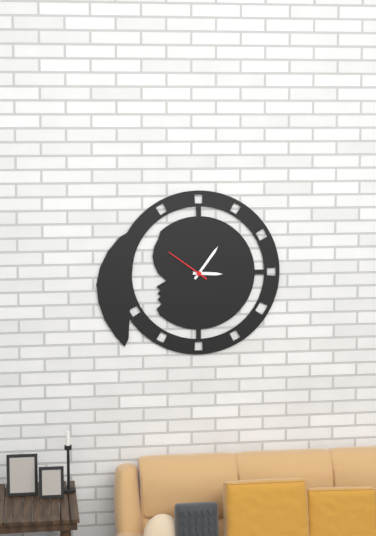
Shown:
3 h 06 min
